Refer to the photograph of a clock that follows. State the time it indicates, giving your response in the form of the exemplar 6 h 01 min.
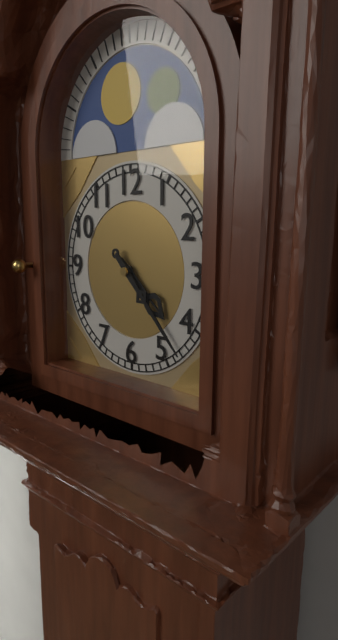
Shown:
4 h 23 min
